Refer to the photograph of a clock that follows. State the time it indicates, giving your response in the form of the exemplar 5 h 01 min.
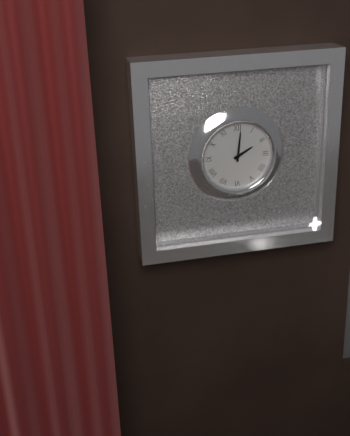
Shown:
2 h 01 min
